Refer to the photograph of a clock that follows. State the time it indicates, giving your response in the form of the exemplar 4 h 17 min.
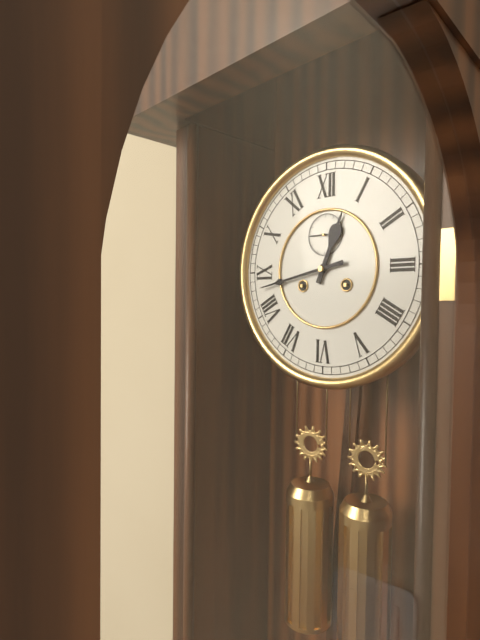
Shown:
12 h 43 min
